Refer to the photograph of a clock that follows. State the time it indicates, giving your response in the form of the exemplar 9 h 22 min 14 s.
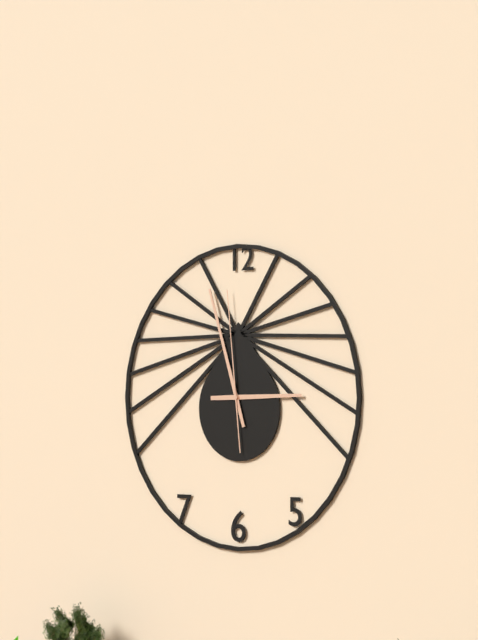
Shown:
2 h 57 min 59 s
